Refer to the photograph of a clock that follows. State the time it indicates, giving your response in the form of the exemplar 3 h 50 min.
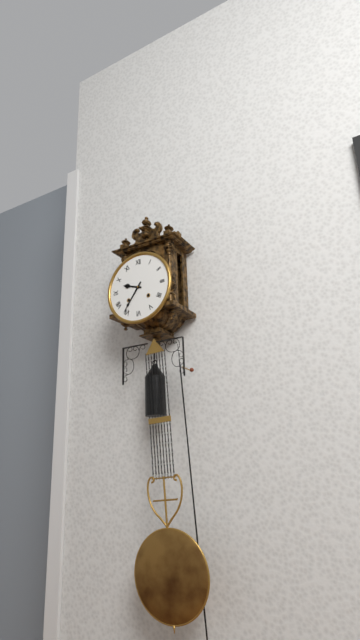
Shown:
9 h 36 min
